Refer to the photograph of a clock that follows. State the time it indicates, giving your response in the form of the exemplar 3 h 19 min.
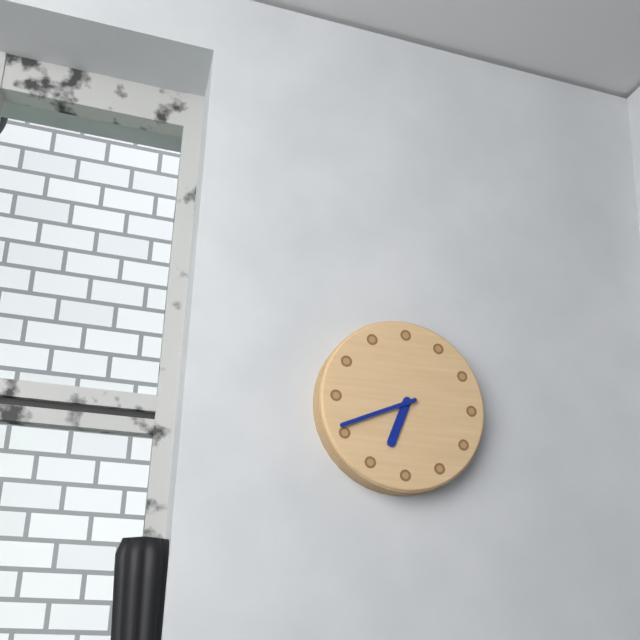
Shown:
6 h 41 min
